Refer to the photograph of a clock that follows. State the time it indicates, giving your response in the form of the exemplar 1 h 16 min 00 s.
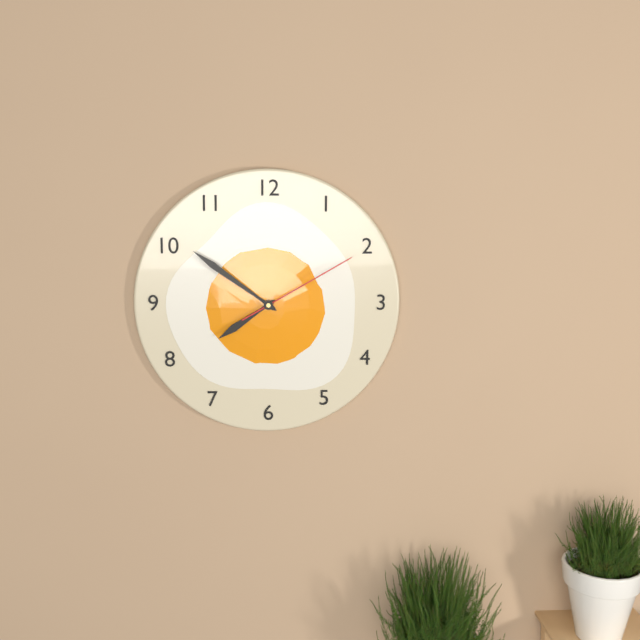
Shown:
7 h 51 min 10 s
